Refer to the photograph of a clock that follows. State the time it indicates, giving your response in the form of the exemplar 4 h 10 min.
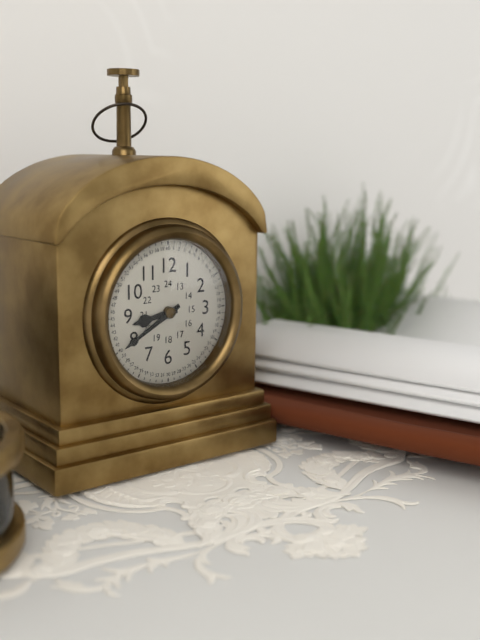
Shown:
8 h 40 min
